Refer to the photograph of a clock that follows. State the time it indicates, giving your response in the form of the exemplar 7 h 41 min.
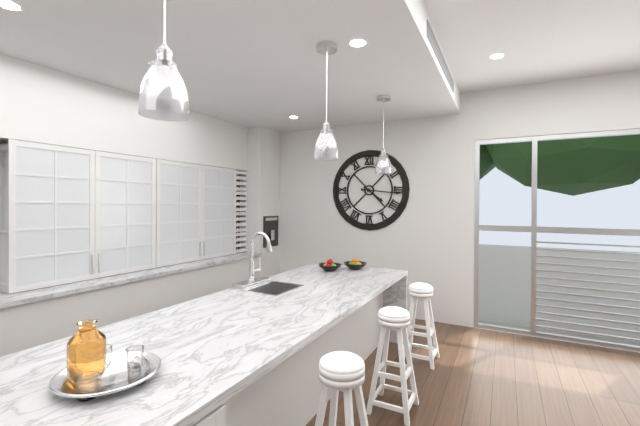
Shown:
4 h 16 min
